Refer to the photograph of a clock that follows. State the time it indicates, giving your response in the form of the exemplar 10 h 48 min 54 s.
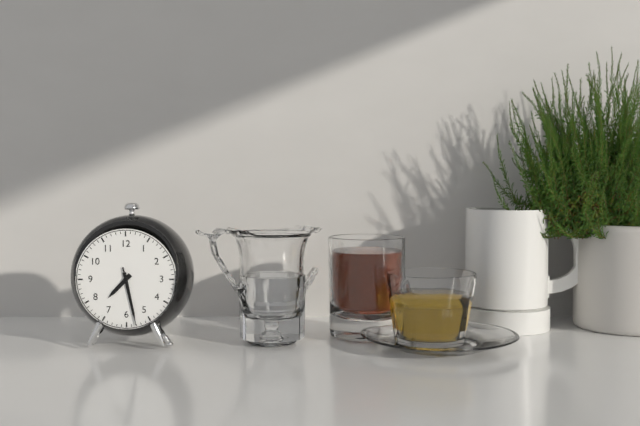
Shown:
7 h 28 min 28 s
